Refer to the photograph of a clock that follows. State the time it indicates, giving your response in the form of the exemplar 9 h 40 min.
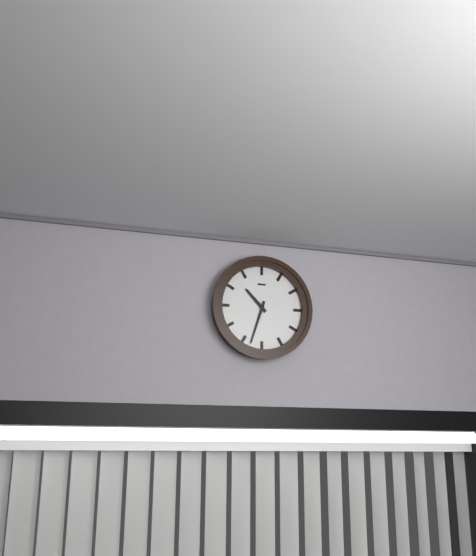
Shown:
10 h 33 min
